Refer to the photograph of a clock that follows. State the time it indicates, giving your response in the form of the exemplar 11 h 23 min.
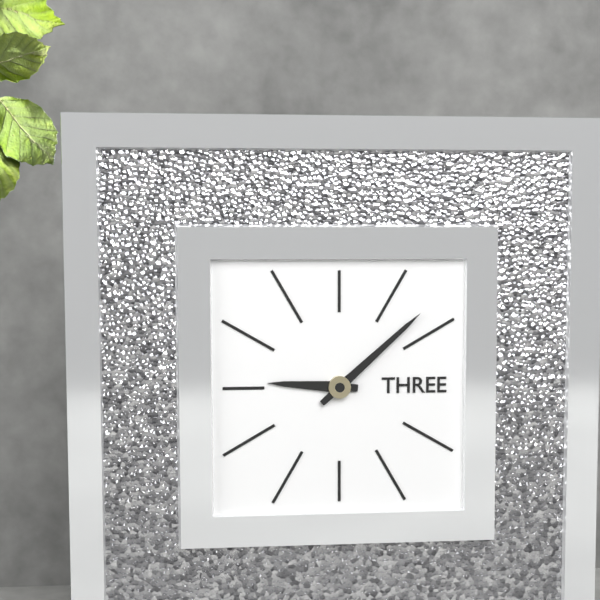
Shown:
9 h 08 min
